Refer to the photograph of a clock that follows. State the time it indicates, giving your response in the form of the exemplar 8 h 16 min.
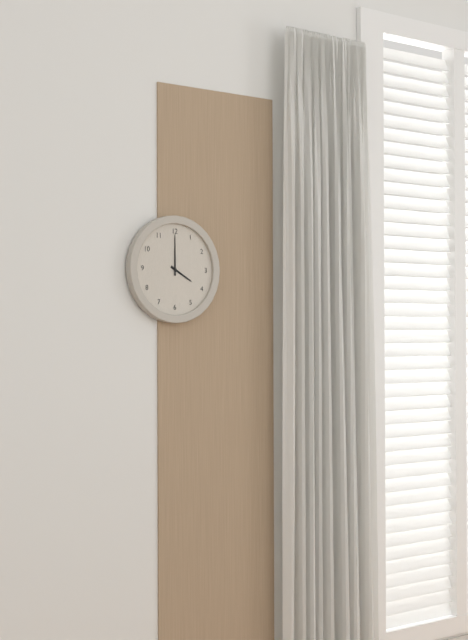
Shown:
4 h 00 min
